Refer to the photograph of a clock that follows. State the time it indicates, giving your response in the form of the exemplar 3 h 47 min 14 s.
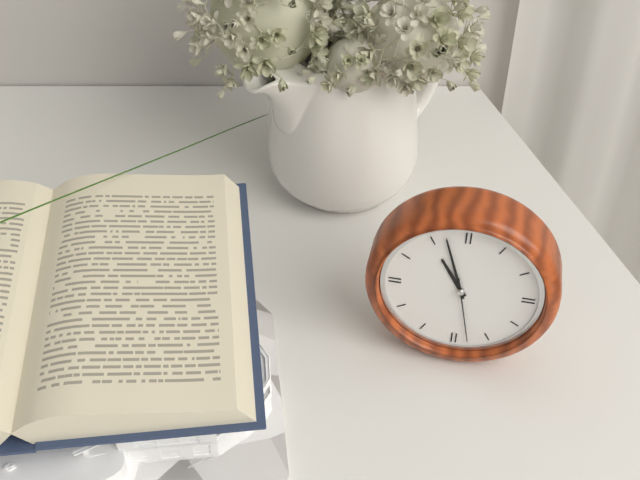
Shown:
10 h 57 min 28 s
